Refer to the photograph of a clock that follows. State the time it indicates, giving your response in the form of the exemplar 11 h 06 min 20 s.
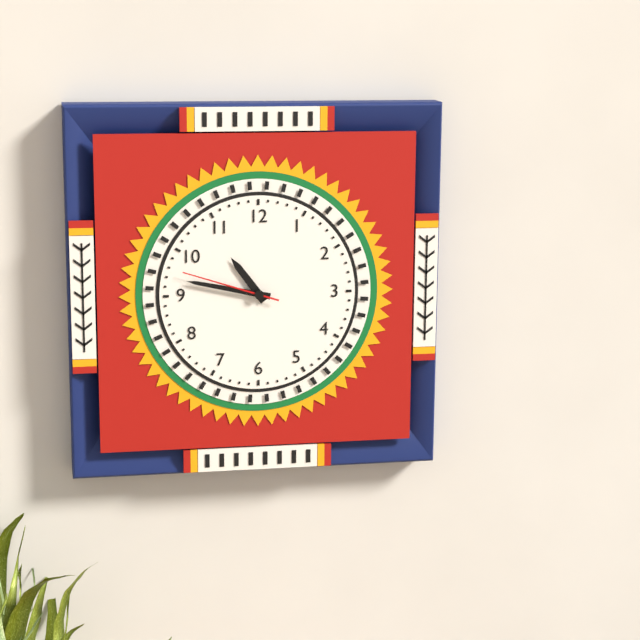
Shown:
10 h 47 min 48 s
